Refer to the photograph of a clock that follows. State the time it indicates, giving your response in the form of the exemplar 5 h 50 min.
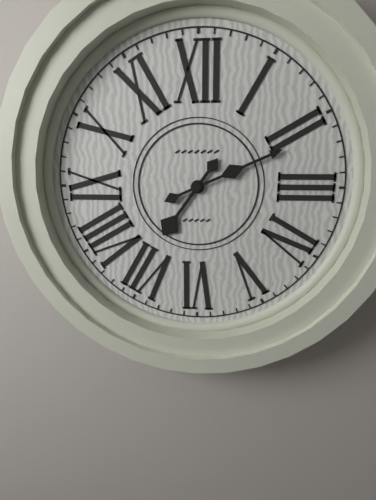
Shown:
7 h 11 min
